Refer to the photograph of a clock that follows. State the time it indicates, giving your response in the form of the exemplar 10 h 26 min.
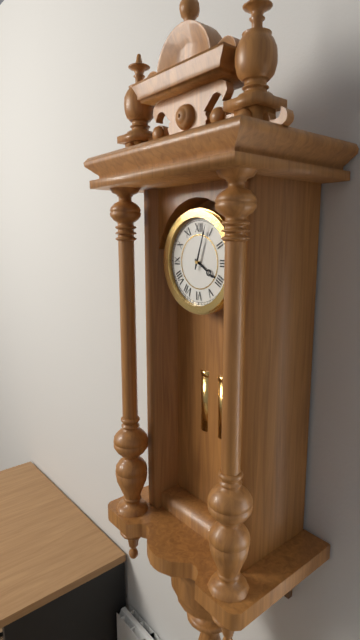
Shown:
4 h 03 min
